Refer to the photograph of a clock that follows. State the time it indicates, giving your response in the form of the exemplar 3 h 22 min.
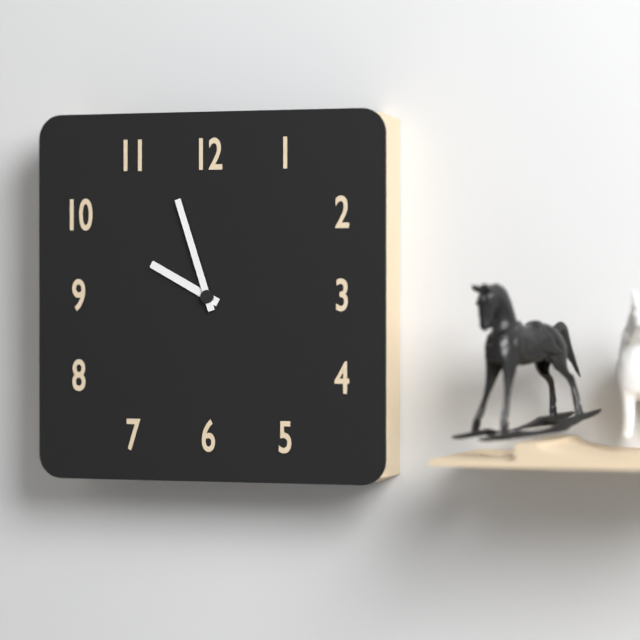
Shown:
9 h 57 min
